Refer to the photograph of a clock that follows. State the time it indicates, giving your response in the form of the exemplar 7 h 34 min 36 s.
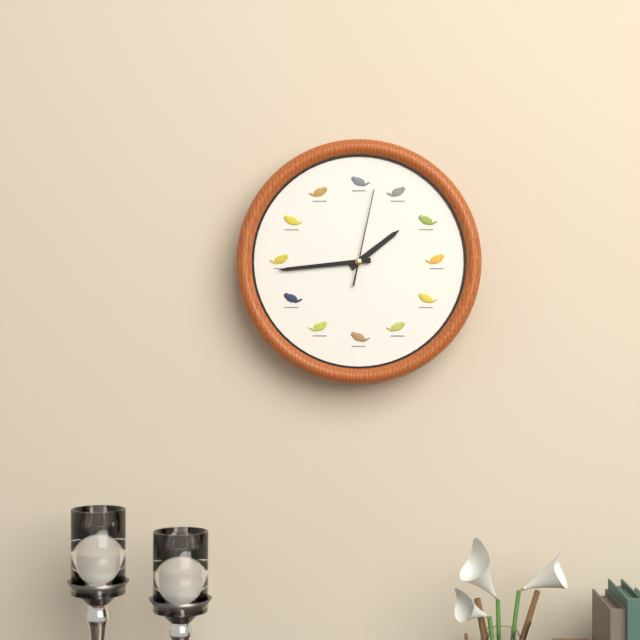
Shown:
1 h 44 min 02 s
